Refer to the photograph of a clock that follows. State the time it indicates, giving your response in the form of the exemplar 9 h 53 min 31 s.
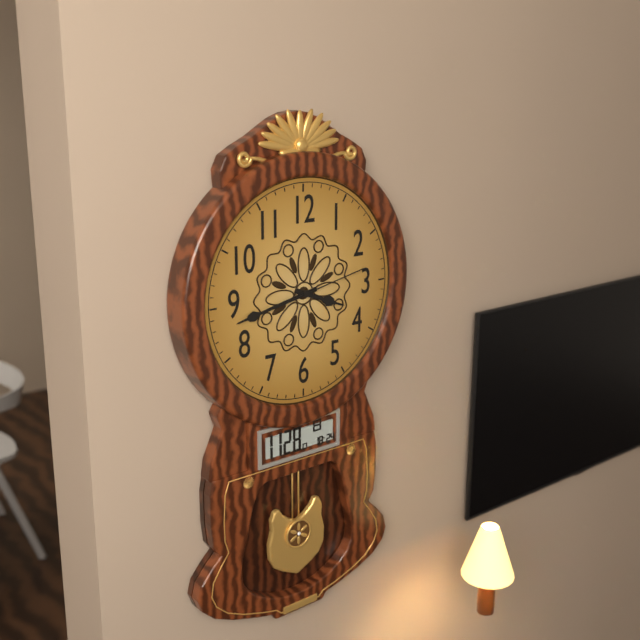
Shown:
3 h 43 min 13 s
